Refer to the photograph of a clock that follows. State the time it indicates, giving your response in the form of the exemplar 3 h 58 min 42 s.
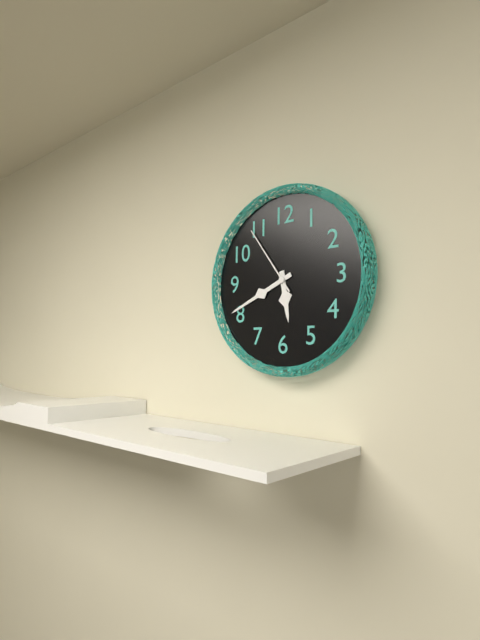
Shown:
5 h 41 min 54 s
